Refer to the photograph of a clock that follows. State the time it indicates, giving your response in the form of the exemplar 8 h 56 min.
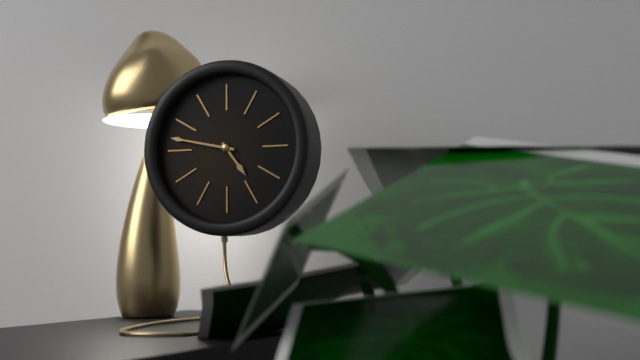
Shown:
4 h 47 min
